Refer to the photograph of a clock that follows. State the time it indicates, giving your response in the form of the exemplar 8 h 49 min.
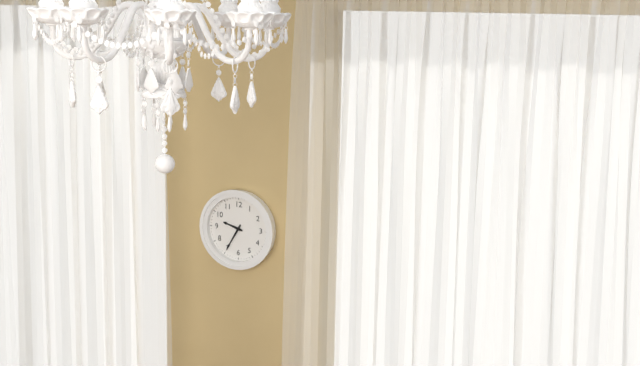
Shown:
9 h 35 min
